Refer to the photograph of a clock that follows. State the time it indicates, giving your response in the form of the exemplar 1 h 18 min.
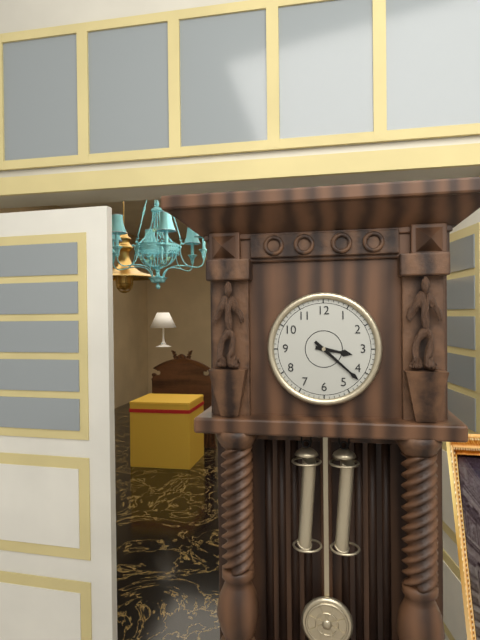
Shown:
3 h 22 min
